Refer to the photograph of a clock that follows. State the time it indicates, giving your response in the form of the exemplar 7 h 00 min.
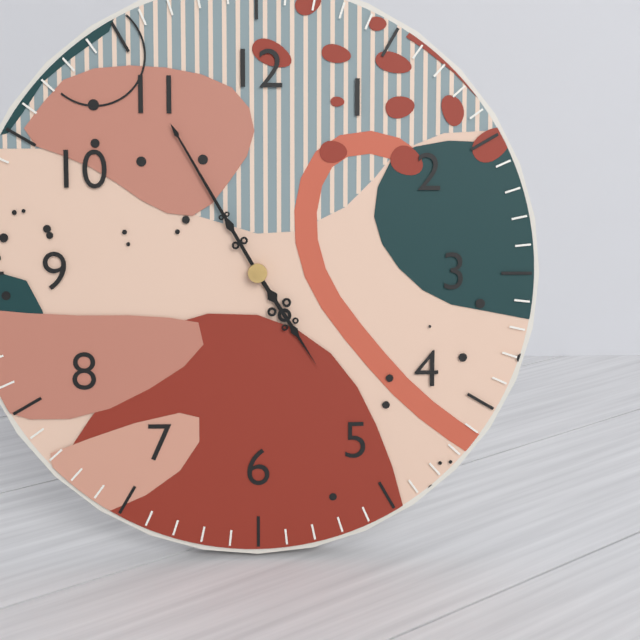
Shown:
4 h 55 min
